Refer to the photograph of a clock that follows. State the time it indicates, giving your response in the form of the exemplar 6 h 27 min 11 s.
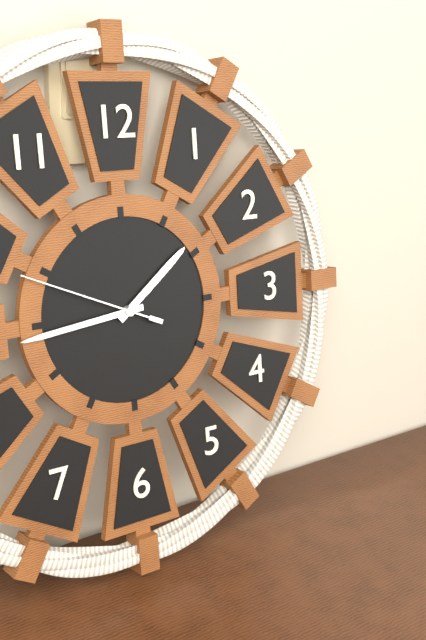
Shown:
1 h 44 min 49 s
